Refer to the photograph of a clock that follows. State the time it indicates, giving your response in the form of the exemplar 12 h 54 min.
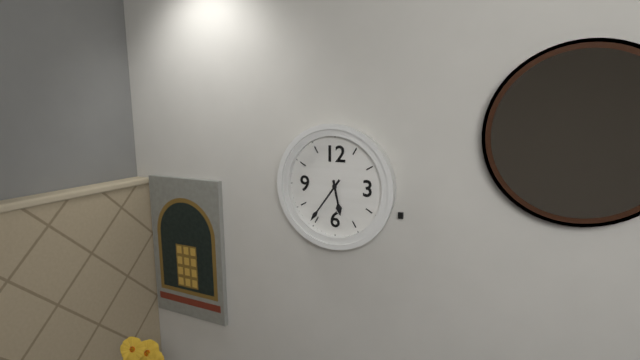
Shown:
5 h 36 min
